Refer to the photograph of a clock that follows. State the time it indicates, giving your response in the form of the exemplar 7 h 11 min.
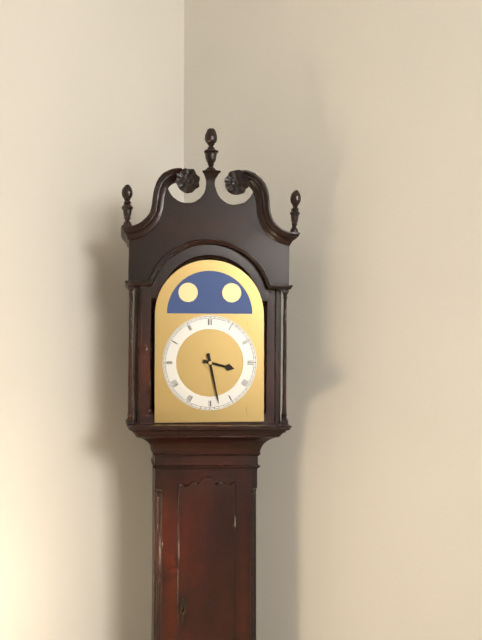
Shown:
3 h 28 min
